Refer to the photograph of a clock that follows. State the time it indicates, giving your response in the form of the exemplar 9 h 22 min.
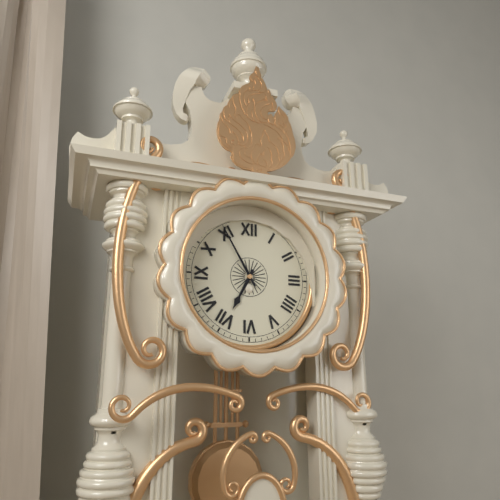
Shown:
6 h 55 min
